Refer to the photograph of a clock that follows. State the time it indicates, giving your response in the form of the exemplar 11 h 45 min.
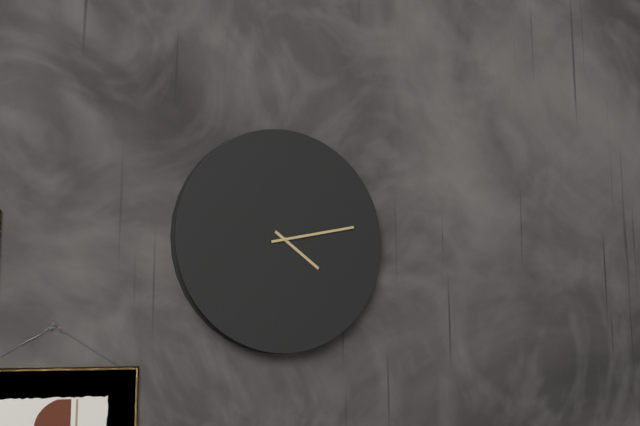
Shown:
4 h 13 min
